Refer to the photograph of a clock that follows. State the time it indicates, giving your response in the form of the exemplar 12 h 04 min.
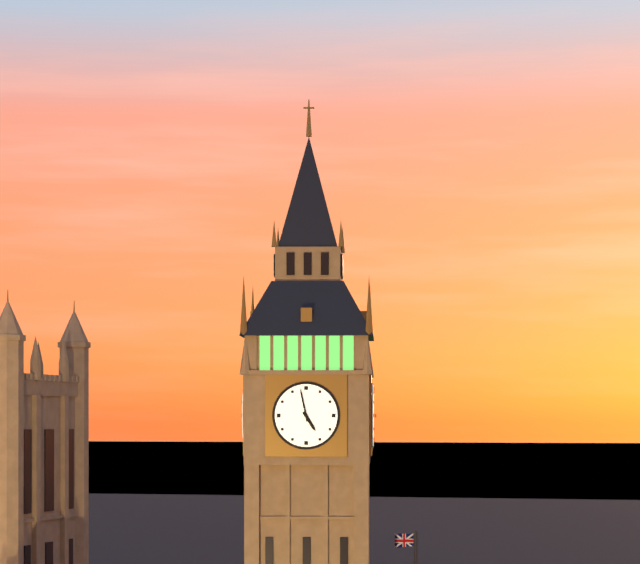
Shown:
4 h 58 min
